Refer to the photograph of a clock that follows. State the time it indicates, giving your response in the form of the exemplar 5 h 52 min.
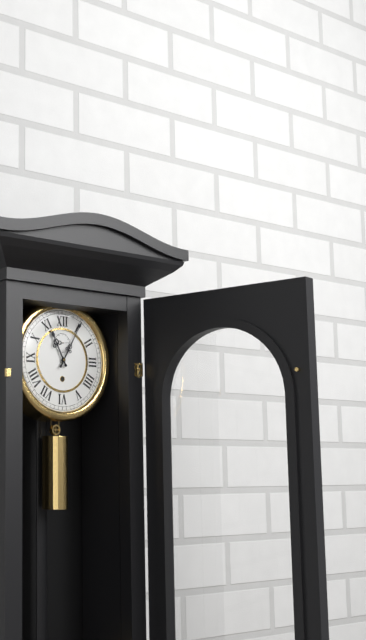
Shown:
11 h 05 min
